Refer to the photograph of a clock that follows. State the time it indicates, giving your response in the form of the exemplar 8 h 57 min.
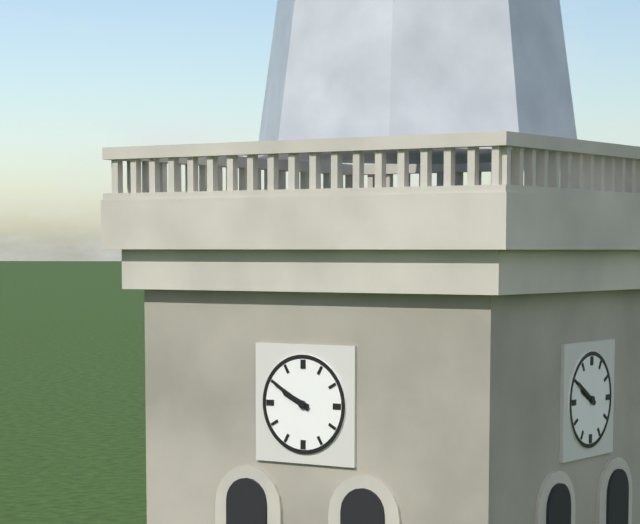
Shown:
9 h 50 min
